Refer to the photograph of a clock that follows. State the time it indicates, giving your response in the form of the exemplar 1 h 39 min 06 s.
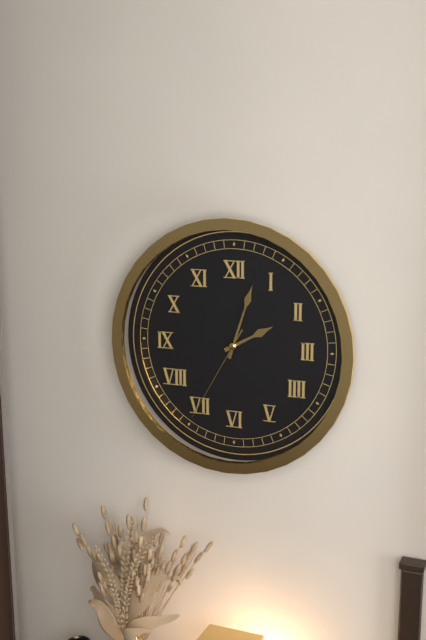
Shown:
2 h 03 min 35 s
